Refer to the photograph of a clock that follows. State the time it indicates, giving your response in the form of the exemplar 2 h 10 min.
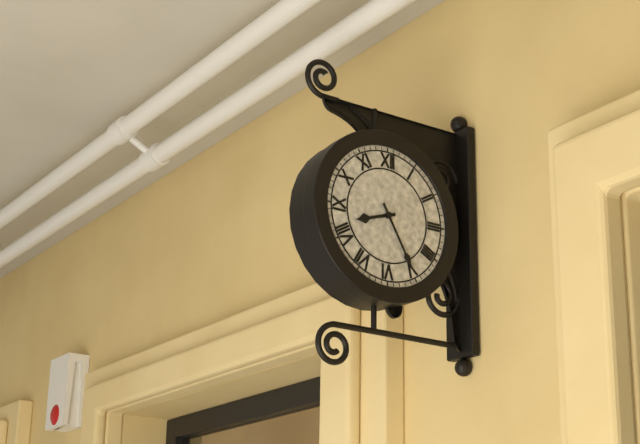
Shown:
8 h 25 min
